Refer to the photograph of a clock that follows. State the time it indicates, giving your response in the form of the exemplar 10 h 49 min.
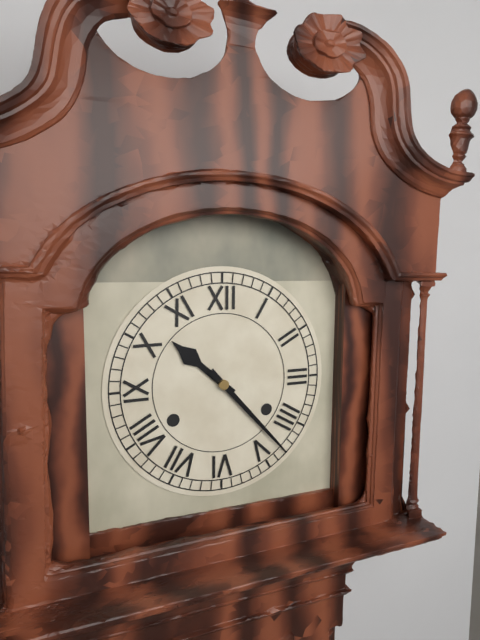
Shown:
10 h 23 min
